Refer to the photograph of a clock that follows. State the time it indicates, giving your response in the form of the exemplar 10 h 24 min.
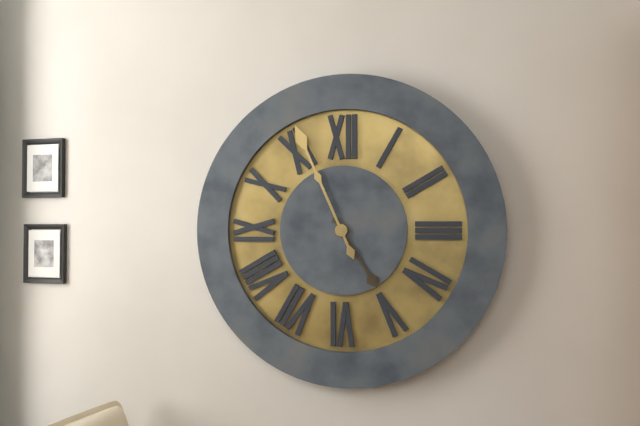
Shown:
4 h 56 min
